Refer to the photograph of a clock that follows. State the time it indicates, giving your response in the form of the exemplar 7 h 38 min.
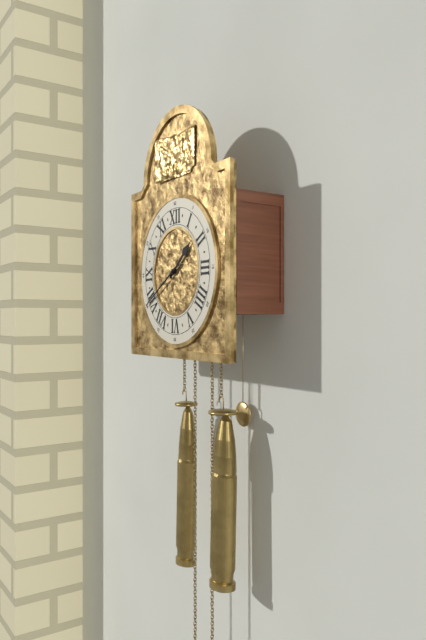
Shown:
1 h 40 min
